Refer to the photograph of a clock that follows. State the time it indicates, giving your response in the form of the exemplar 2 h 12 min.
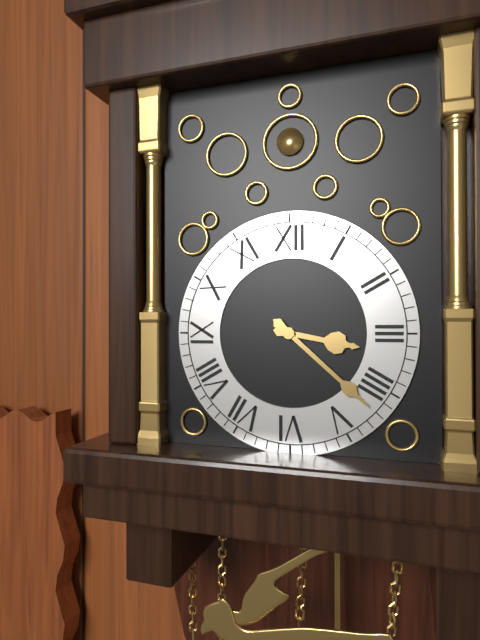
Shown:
3 h 22 min
